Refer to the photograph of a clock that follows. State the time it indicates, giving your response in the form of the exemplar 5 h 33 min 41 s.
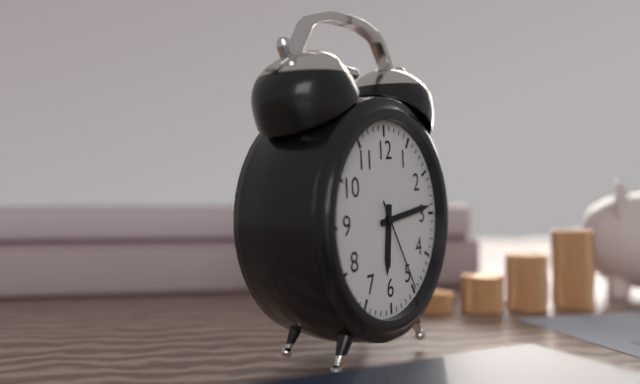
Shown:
6 h 14 min 25 s
